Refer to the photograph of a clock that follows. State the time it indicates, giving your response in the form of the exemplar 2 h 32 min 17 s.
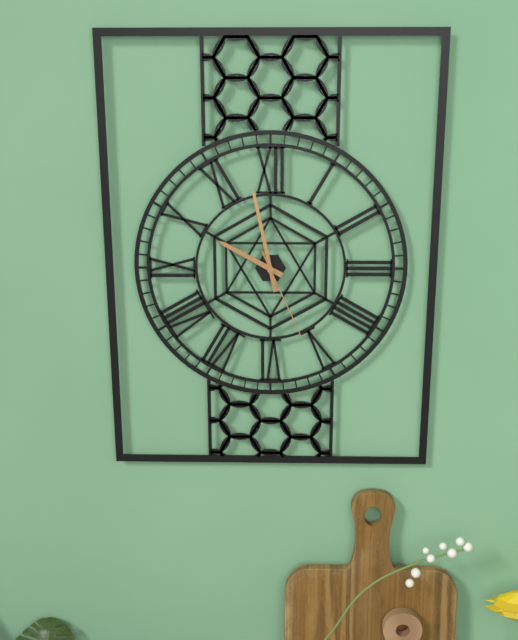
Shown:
9 h 58 min 26 s
